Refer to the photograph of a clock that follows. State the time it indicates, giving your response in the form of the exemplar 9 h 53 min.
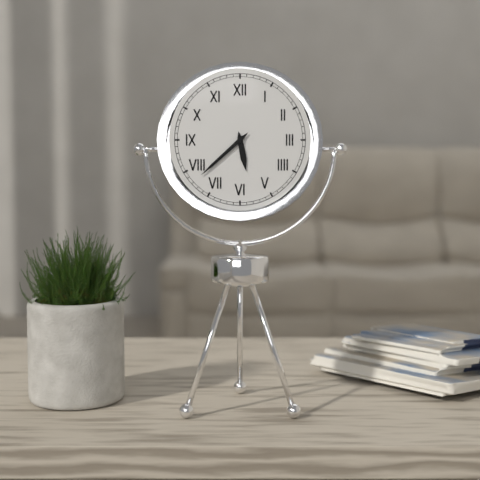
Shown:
5 h 38 min
